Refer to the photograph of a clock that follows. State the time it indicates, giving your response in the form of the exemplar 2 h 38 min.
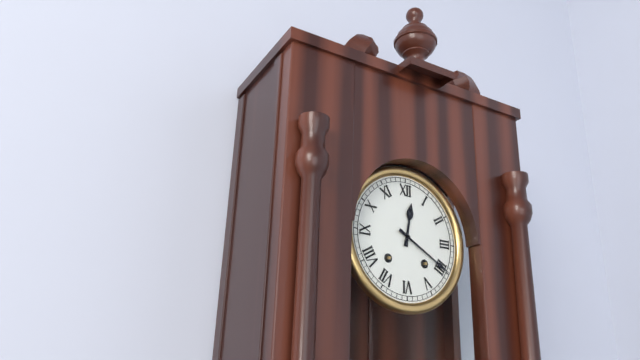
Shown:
12 h 20 min
